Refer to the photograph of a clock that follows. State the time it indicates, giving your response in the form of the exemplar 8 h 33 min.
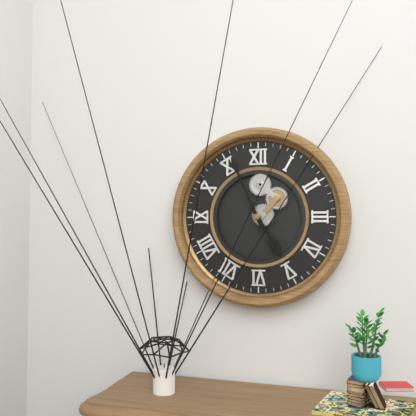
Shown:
4 h 56 min
